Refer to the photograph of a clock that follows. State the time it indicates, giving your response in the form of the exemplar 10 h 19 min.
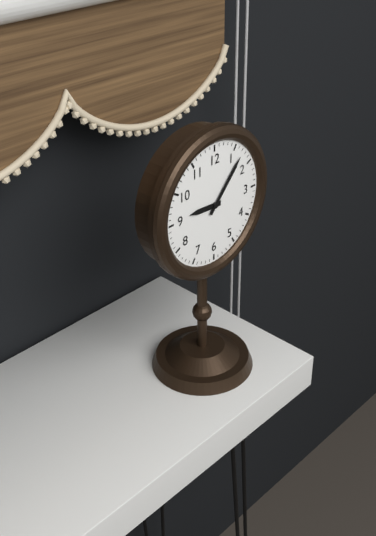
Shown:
9 h 07 min
